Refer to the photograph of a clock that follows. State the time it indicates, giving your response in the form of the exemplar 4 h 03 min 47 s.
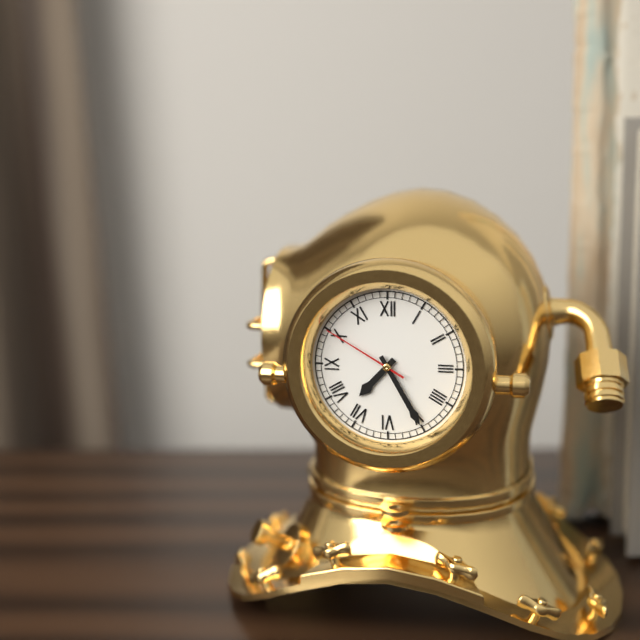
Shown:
7 h 25 min 50 s
